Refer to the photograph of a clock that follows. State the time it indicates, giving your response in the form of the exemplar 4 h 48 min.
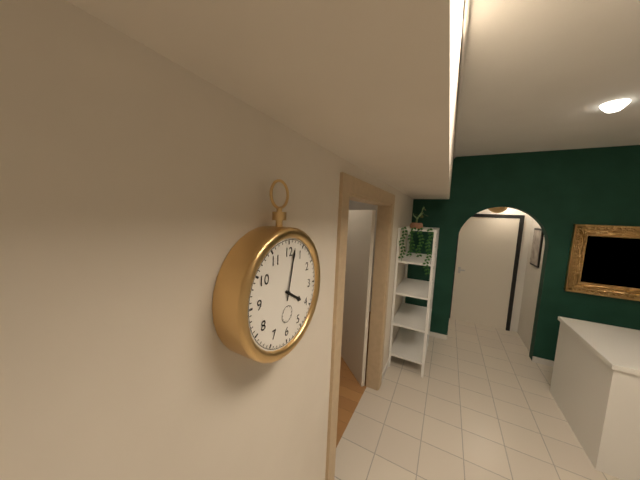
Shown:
4 h 02 min
